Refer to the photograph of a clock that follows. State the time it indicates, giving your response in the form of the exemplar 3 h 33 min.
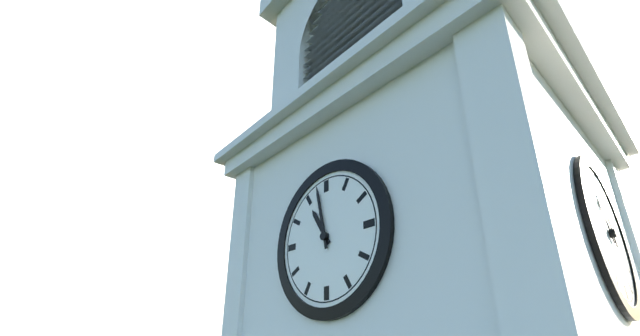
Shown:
10 h 58 min
